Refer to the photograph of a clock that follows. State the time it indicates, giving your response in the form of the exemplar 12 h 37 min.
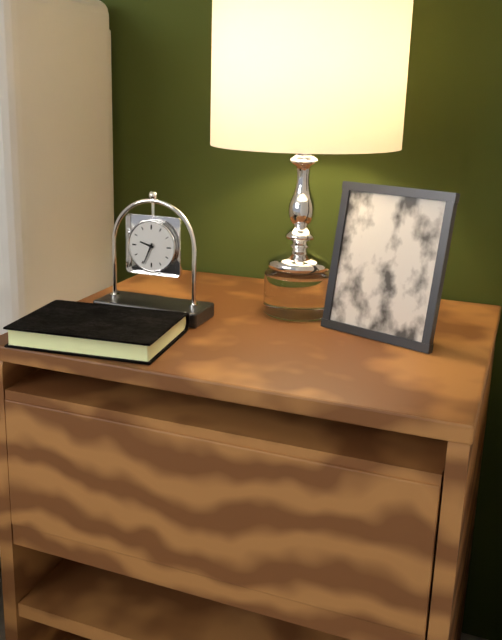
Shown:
9 h 34 min
